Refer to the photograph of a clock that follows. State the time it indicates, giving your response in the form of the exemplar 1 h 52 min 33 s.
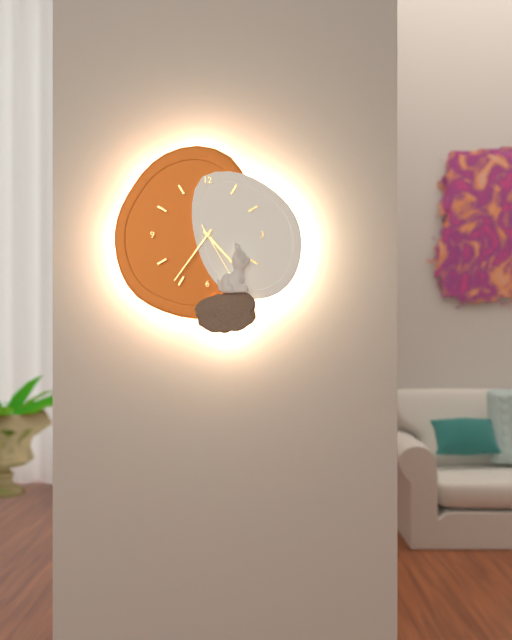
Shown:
4 h 36 min 25 s
